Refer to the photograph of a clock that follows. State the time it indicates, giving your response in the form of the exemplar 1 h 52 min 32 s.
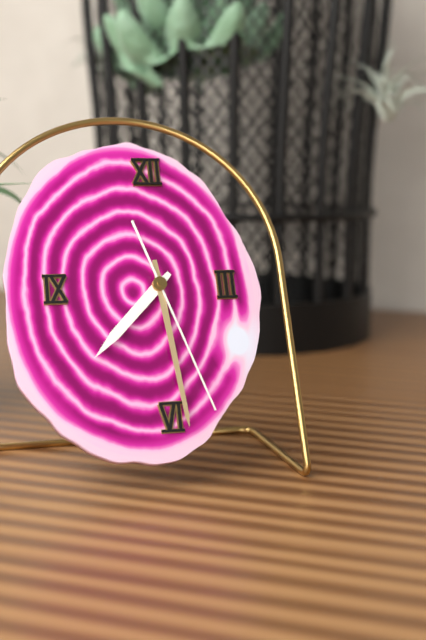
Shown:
7 h 29 min 27 s
